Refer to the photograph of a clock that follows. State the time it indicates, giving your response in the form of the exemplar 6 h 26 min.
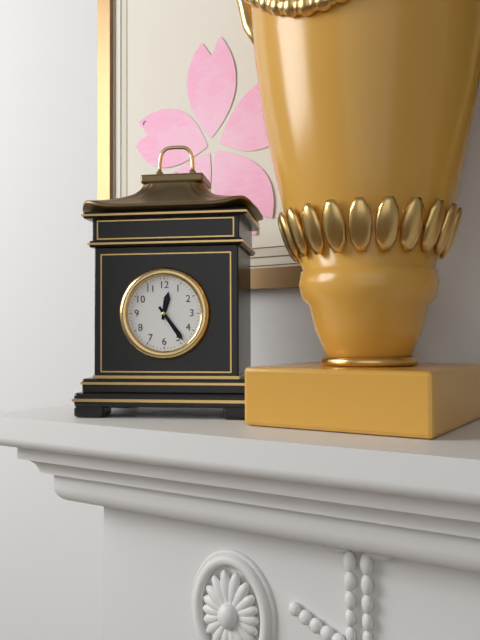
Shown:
12 h 24 min
